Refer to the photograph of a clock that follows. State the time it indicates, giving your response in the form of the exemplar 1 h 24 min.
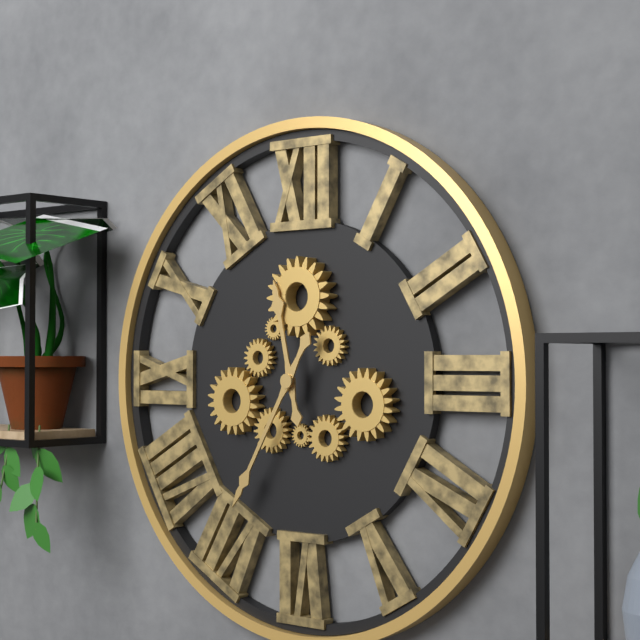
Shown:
11 h 35 min
